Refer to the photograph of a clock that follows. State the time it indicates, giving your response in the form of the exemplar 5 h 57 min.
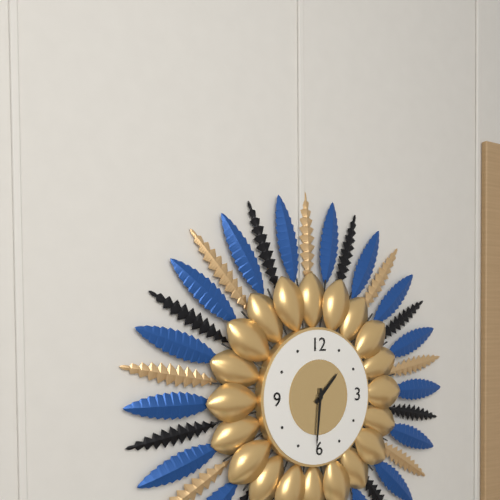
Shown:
1 h 31 min
